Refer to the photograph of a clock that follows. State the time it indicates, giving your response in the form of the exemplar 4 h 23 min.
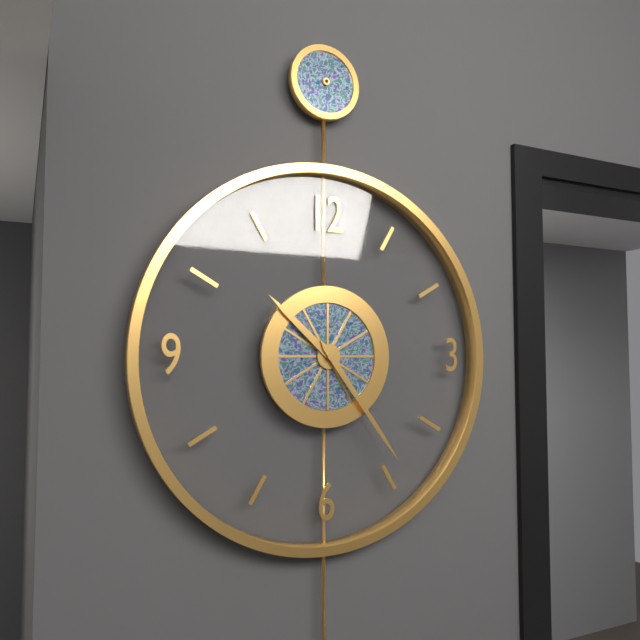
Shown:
10 h 24 min
